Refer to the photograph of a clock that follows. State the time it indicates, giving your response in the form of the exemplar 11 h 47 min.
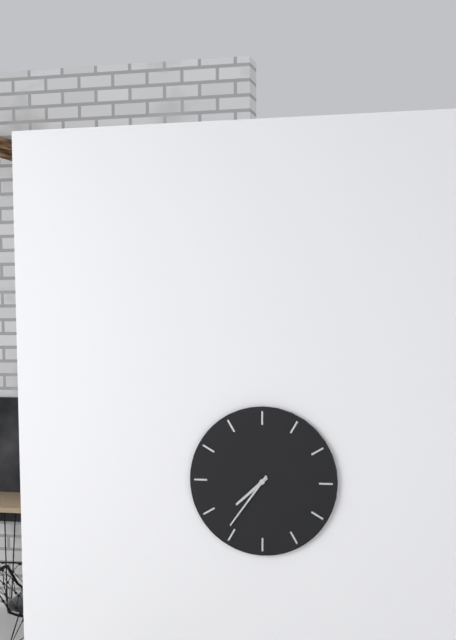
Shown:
7 h 36 min
